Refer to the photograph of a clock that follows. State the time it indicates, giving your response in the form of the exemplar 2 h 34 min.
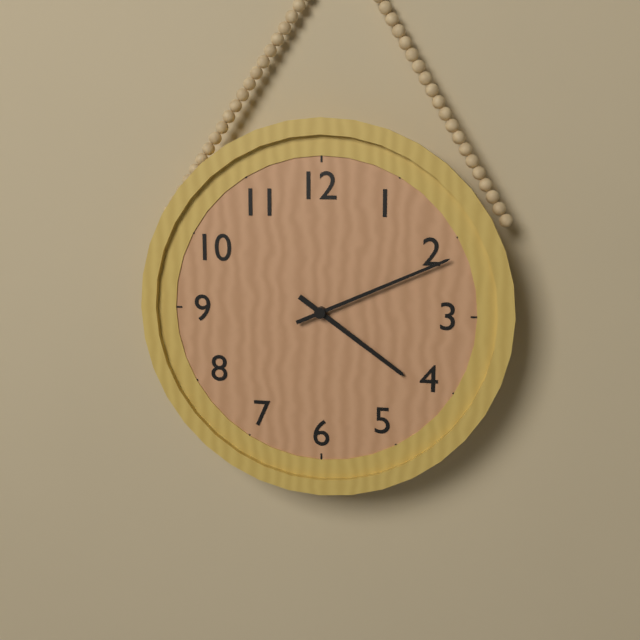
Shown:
4 h 11 min
